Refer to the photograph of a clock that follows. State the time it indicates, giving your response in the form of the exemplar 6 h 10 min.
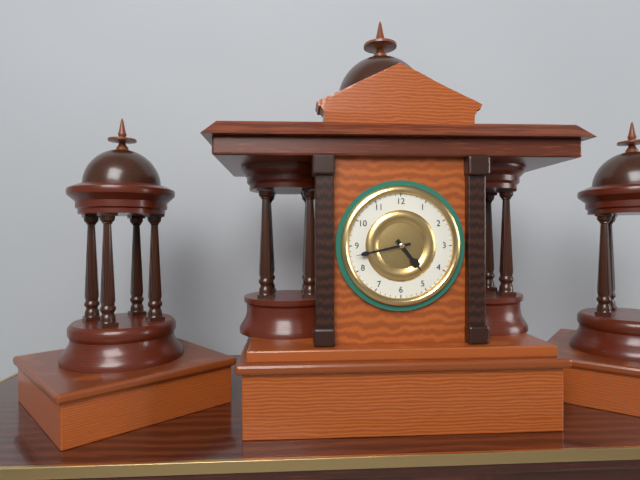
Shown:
4 h 43 min
